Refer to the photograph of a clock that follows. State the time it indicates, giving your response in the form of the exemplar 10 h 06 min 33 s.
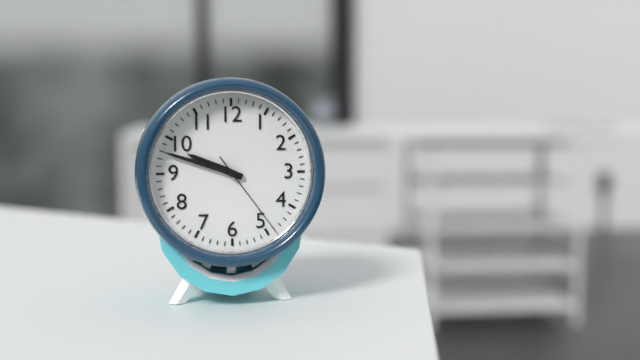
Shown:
9 h 48 min 24 s
